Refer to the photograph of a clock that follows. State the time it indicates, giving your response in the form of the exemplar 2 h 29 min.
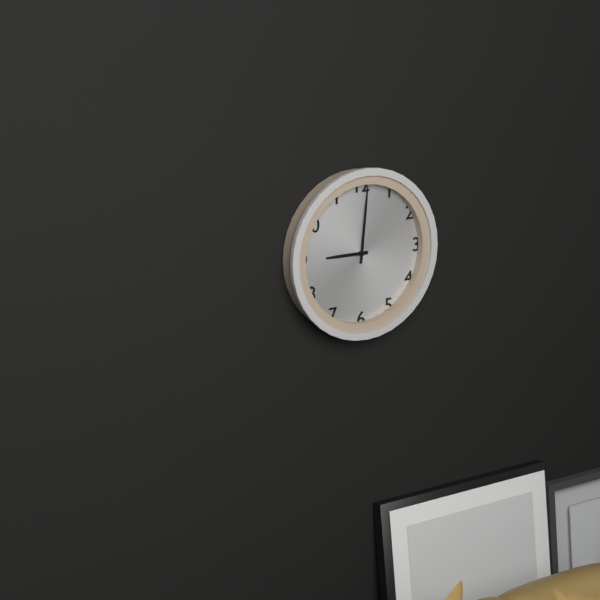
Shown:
9 h 01 min
